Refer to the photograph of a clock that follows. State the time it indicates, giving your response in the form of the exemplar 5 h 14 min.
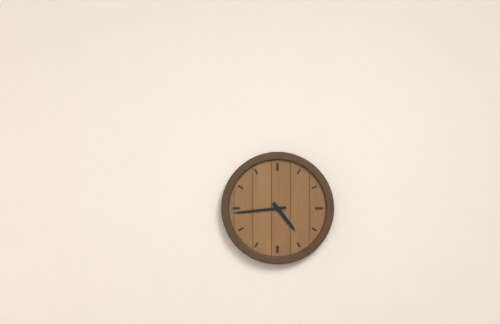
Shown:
4 h 44 min
